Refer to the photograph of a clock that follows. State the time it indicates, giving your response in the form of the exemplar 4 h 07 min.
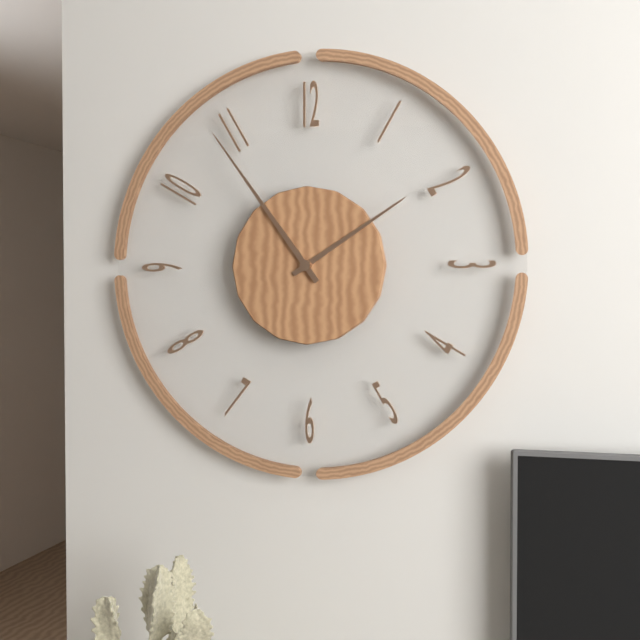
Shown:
1 h 54 min
